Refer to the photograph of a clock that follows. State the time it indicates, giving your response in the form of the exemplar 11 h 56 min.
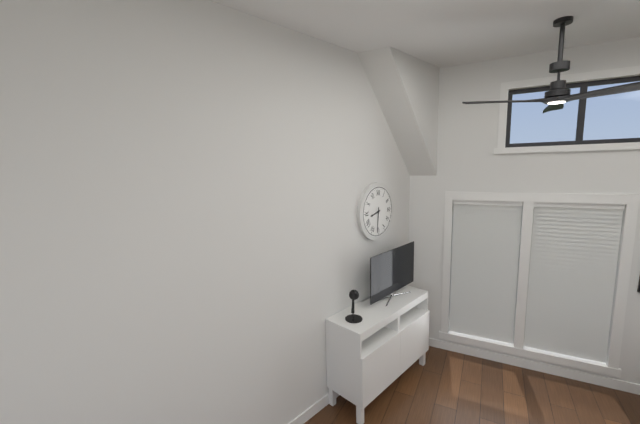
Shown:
8 h 31 min
